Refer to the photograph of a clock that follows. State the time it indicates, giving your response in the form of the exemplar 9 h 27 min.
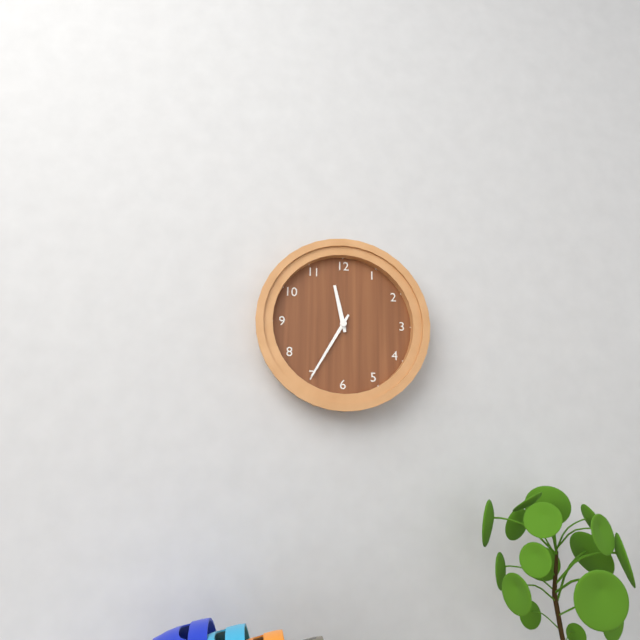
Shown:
11 h 35 min
